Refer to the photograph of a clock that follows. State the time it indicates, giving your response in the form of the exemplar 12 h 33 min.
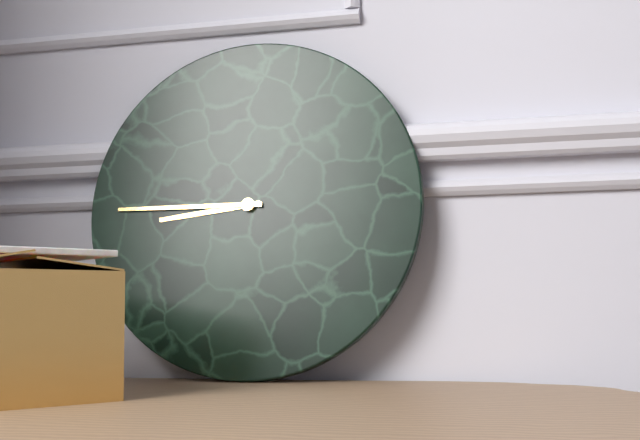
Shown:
8 h 45 min
